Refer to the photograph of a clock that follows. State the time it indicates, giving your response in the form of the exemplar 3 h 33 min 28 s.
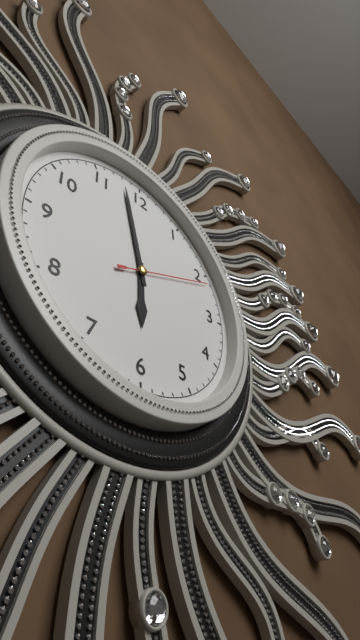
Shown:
5 h 58 min 11 s
